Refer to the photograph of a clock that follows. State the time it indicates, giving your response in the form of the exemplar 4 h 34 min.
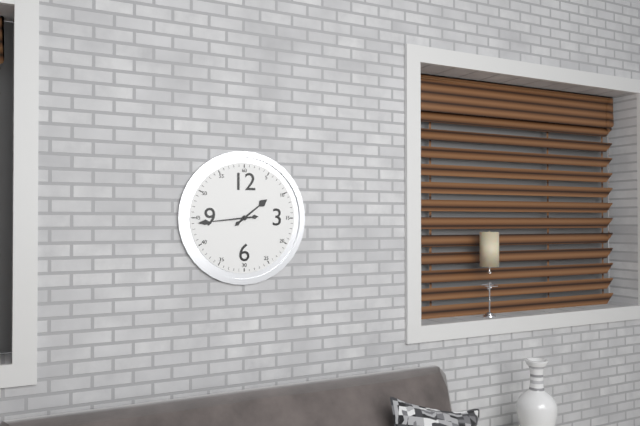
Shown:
1 h 44 min
